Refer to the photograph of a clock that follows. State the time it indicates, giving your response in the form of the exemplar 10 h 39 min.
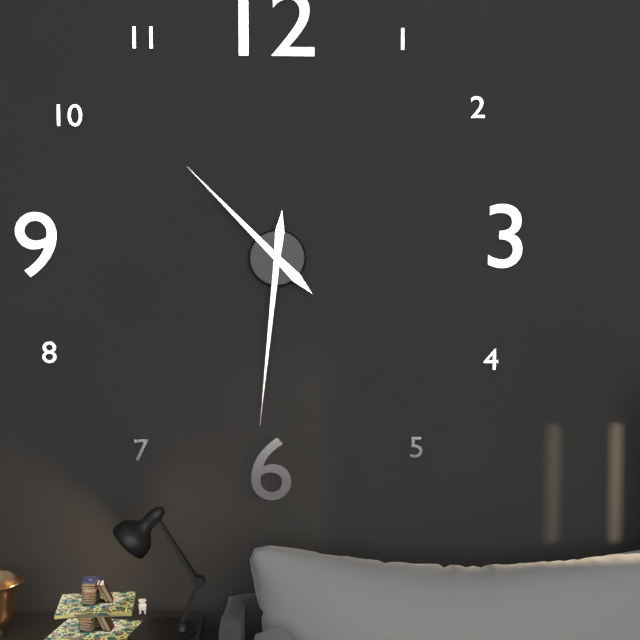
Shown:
10 h 31 min
